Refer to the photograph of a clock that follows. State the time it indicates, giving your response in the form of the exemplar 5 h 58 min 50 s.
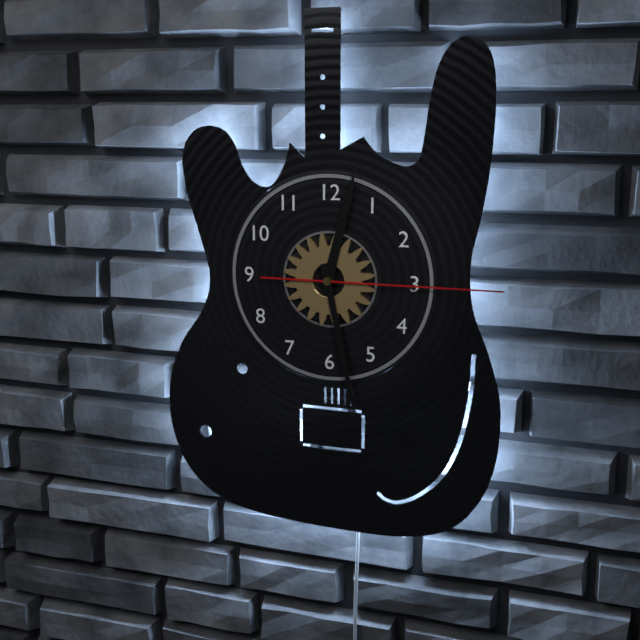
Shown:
12 h 28 min 15 s
